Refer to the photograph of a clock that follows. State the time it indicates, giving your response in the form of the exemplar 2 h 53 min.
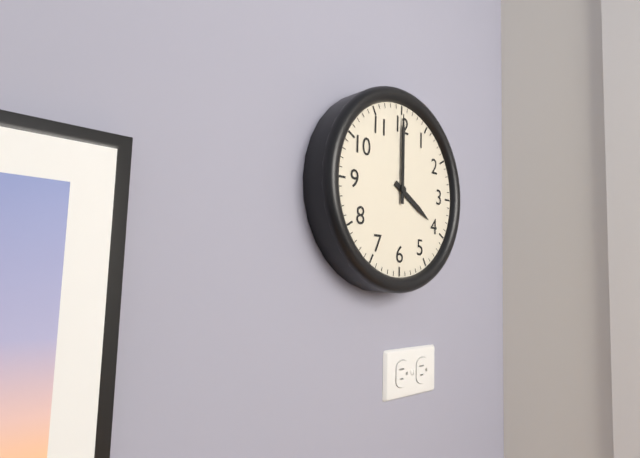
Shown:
4 h 00 min
